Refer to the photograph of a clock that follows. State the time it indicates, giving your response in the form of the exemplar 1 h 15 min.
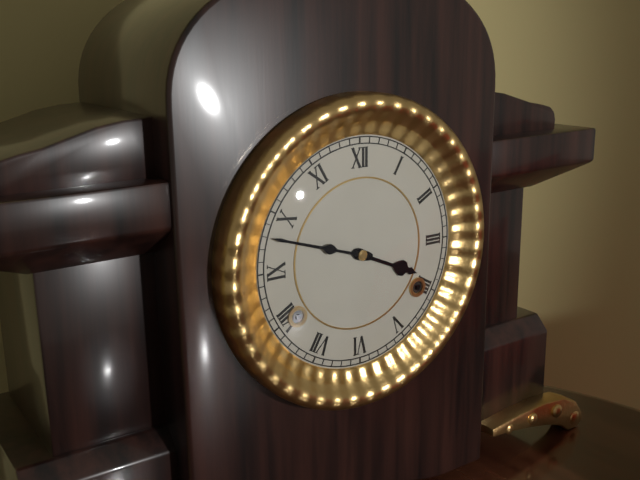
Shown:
3 h 48 min
